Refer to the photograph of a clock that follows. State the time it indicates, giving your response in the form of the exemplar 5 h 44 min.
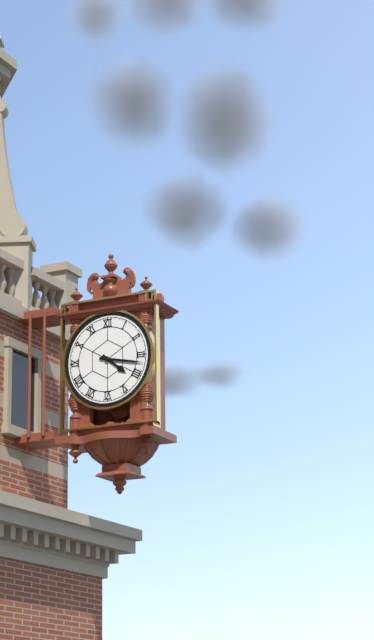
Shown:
4 h 17 min
